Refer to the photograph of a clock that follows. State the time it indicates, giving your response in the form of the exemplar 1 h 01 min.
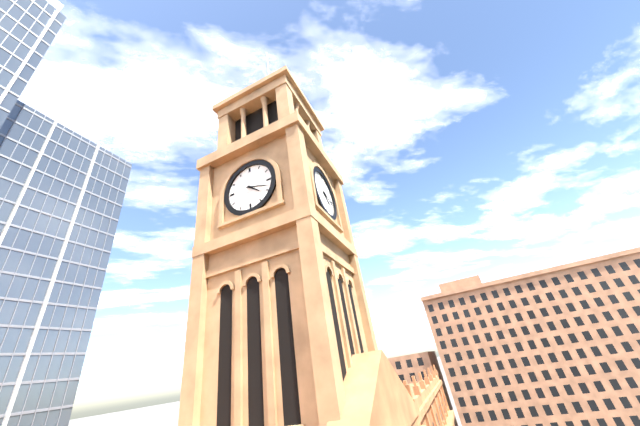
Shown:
4 h 18 min
